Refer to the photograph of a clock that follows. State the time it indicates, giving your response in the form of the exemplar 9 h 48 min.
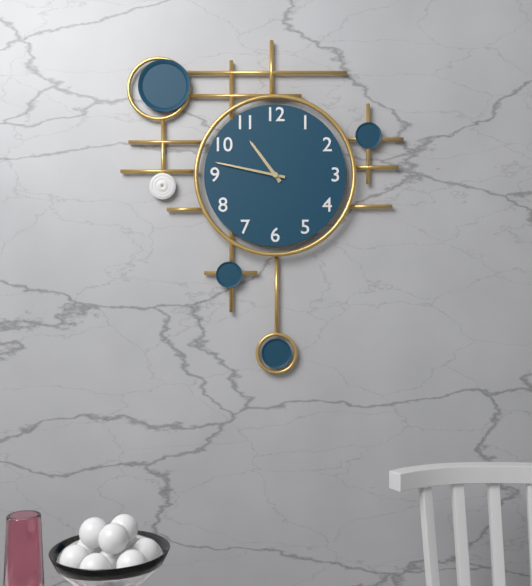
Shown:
10 h 47 min
